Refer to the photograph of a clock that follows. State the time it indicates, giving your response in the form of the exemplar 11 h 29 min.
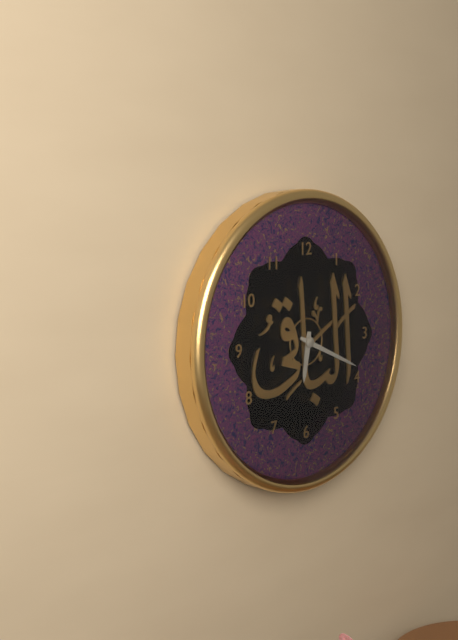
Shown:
6 h 19 min
